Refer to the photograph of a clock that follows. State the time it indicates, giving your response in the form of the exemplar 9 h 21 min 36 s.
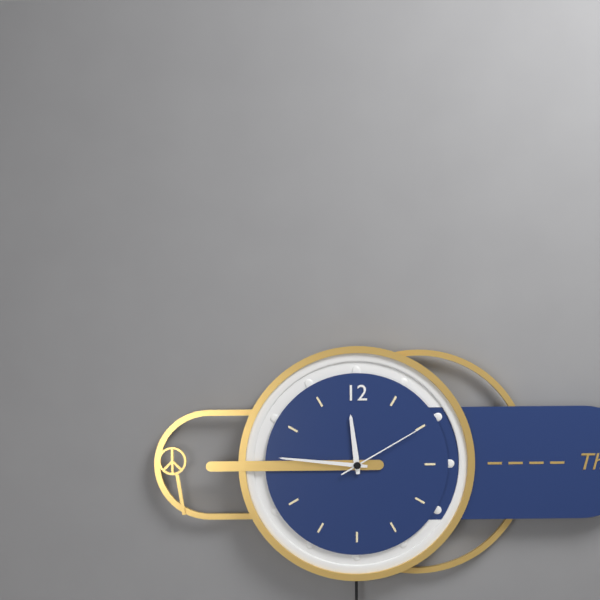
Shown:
11 h 46 min 10 s
